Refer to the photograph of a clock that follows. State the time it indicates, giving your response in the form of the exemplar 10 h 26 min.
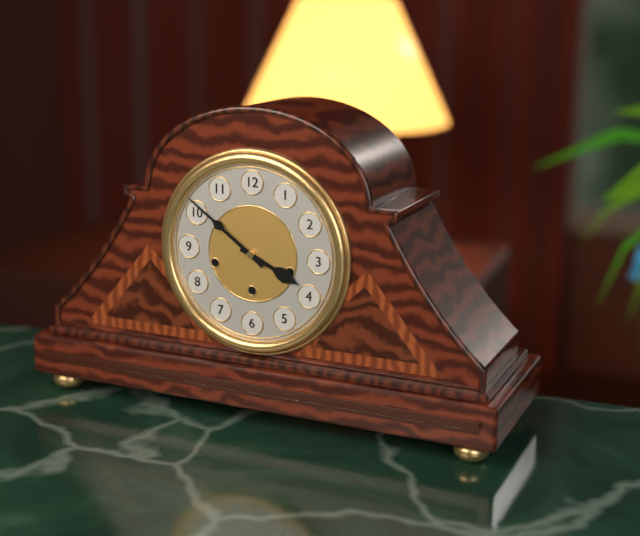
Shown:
3 h 51 min
